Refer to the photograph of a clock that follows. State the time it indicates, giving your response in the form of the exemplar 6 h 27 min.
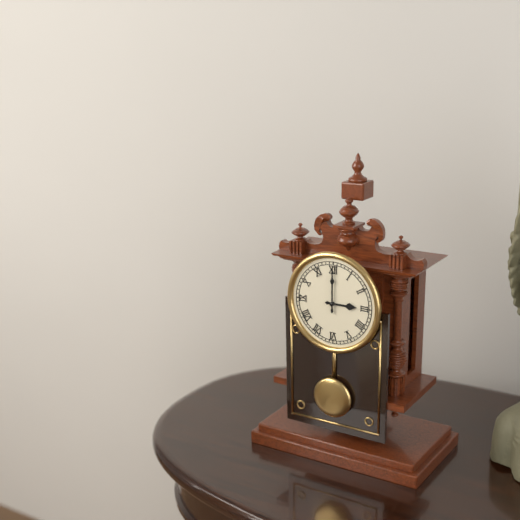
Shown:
3 h 00 min
